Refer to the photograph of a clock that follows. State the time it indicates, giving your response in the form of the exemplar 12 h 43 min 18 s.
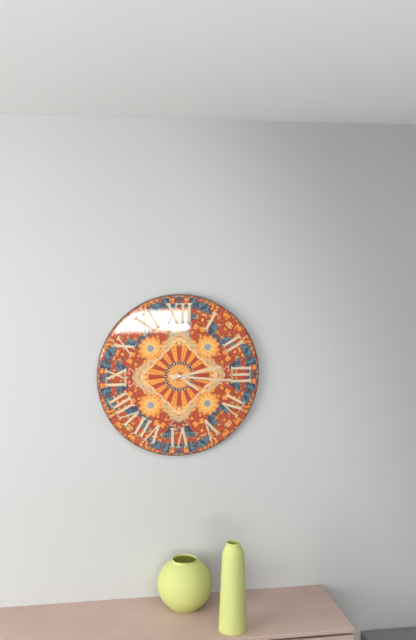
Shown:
4 h 13 min 16 s
